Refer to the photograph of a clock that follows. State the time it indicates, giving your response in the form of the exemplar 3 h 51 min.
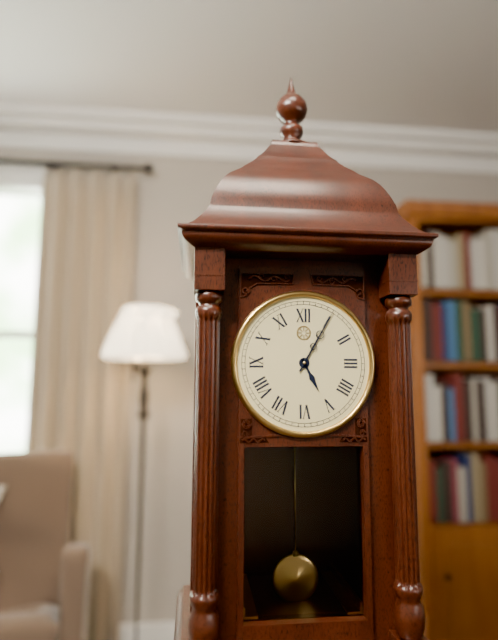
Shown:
5 h 05 min
